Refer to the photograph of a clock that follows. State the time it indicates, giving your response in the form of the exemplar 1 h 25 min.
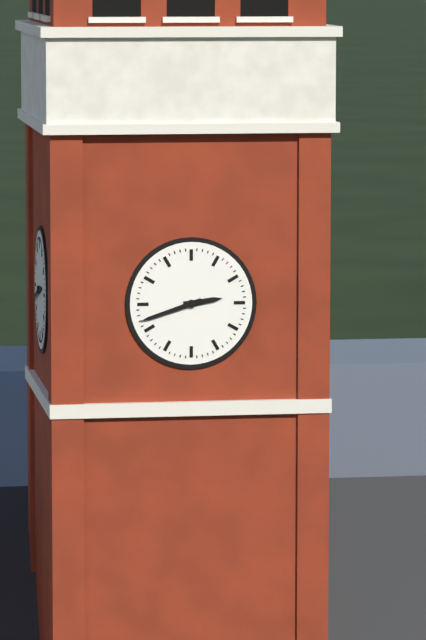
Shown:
2 h 42 min
